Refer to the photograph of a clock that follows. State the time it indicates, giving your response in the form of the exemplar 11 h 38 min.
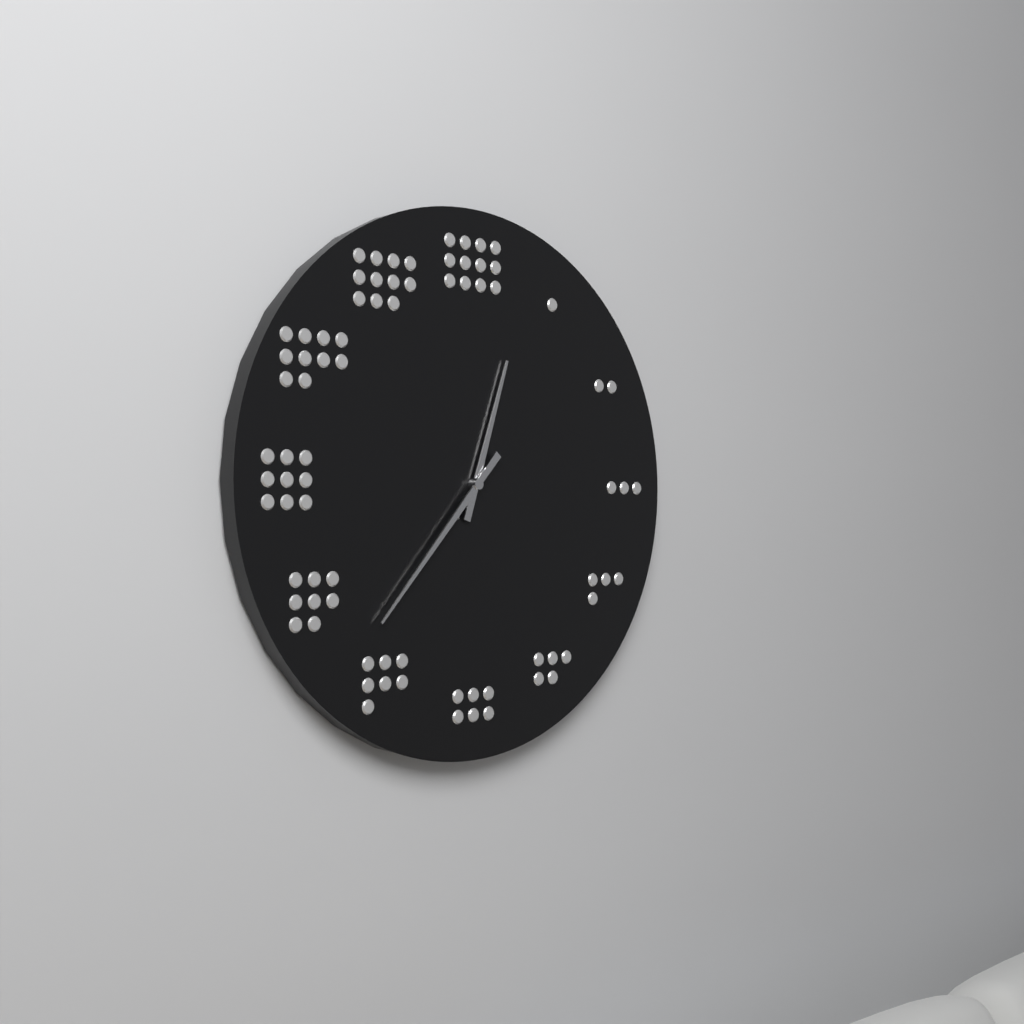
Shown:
12 h 37 min
